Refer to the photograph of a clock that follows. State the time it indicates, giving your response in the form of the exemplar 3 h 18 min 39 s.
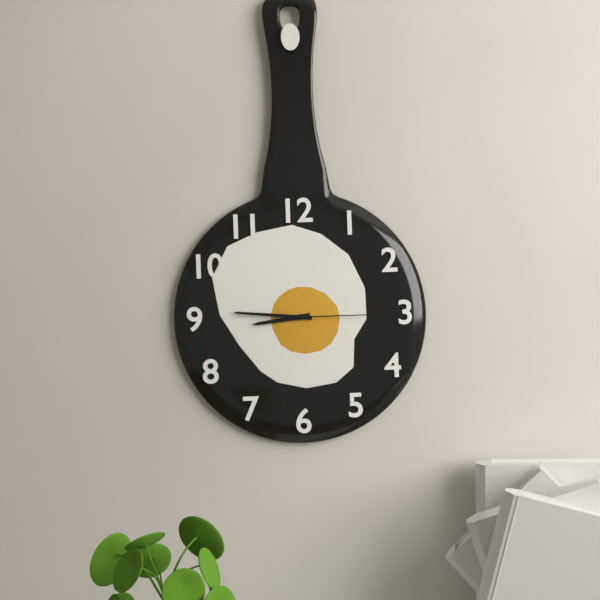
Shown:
8 h 46 min 15 s
